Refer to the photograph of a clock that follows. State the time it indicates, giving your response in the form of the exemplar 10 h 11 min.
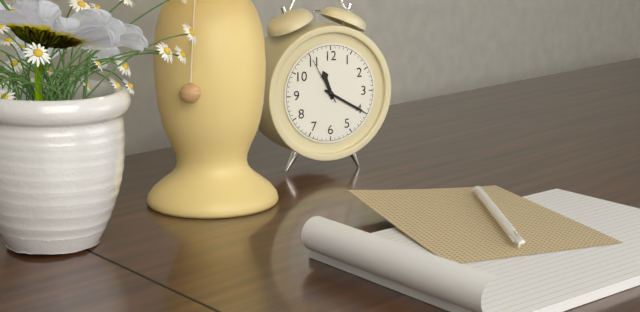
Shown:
11 h 20 min
